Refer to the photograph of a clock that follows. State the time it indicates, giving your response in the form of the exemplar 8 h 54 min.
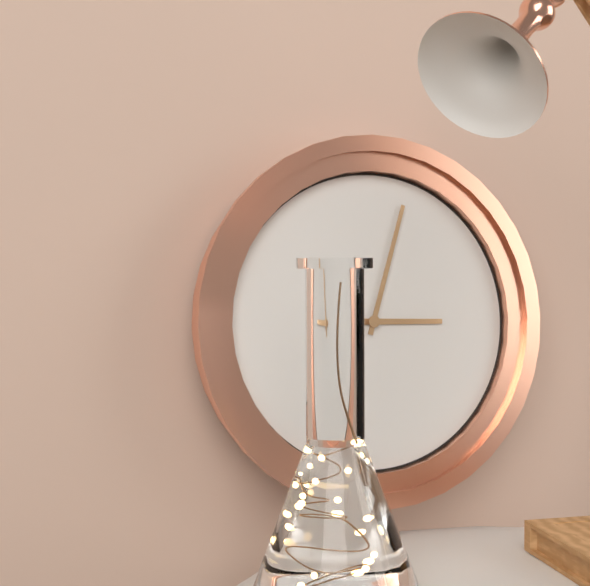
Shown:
3 h 03 min
